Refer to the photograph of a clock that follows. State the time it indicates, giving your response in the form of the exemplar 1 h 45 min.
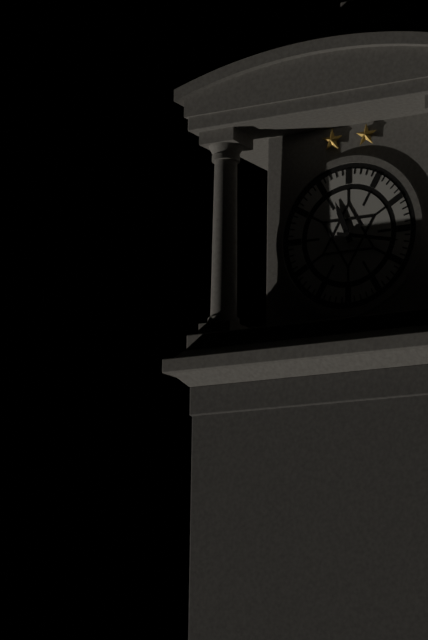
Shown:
11 h 17 min
